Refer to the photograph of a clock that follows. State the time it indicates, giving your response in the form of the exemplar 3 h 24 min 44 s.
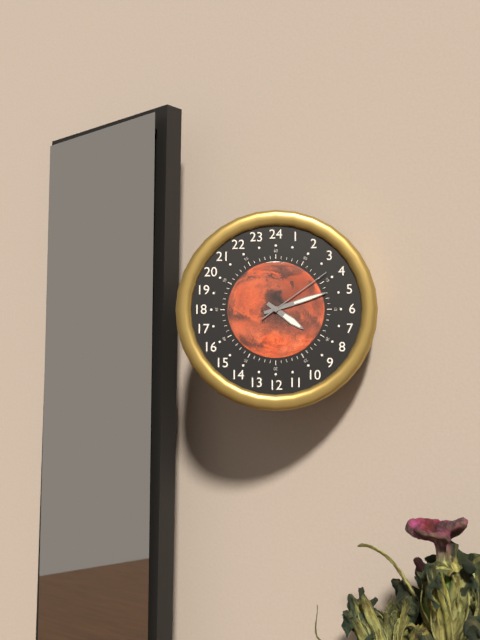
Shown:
4 h 12 min 09 s
